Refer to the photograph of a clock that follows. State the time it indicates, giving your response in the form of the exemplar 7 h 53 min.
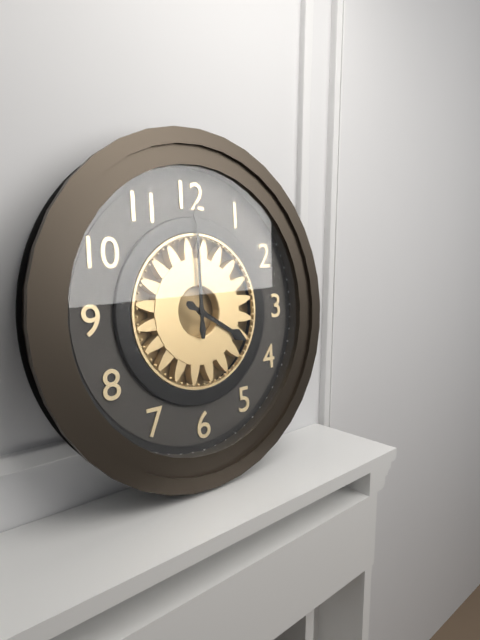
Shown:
4 h 00 min
